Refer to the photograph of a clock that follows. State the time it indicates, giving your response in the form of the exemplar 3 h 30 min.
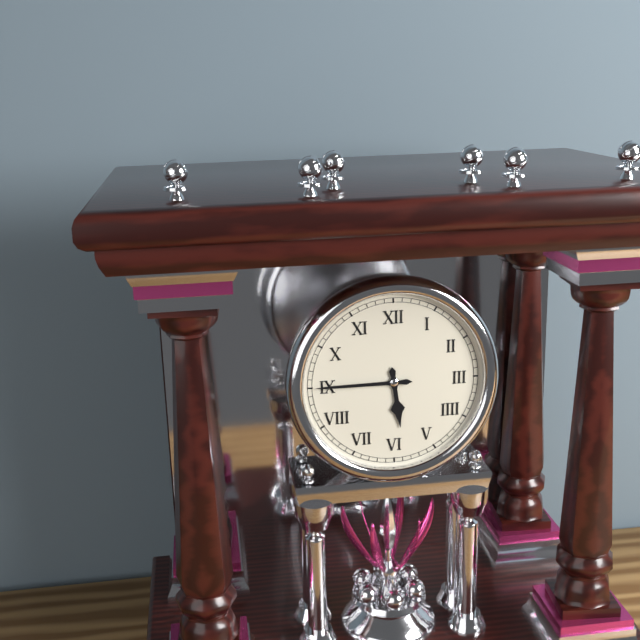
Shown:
5 h 45 min
